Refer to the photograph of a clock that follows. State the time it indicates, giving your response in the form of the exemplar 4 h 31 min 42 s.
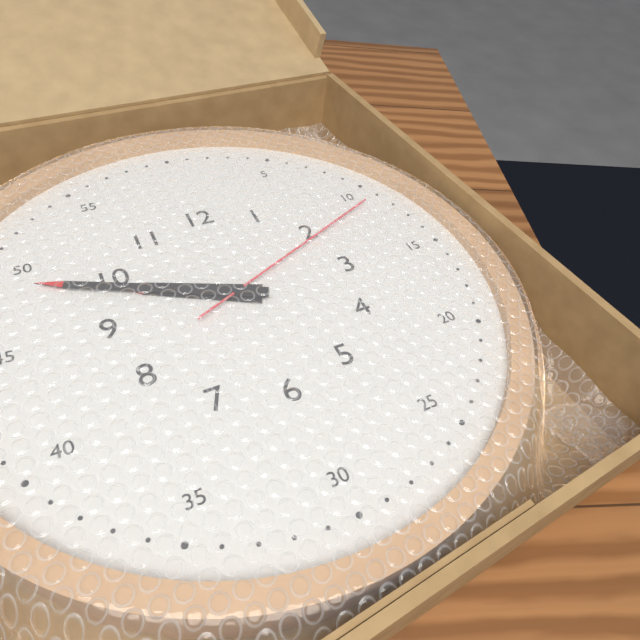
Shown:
9 h 49 min 11 s
